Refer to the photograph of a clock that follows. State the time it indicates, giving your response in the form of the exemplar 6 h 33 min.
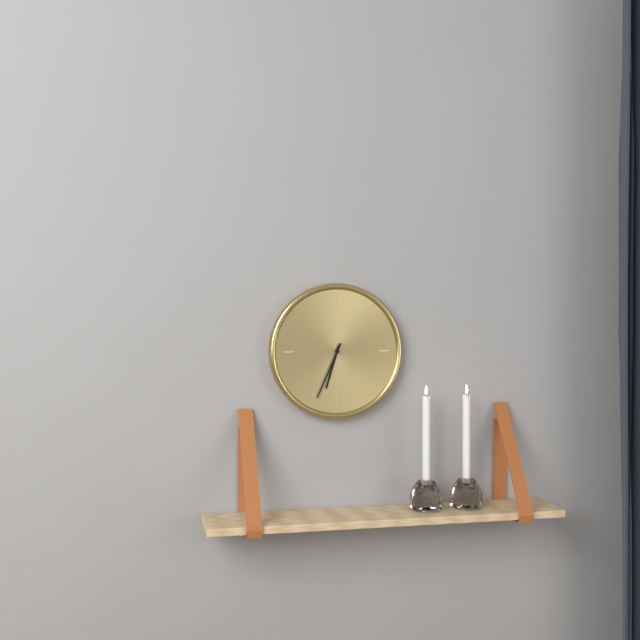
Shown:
6 h 34 min
